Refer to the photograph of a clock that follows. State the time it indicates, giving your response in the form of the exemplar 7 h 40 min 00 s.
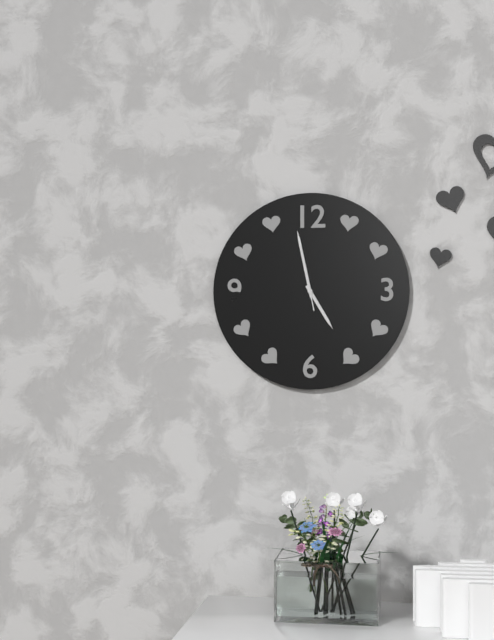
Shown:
4 h 58 min 58 s
